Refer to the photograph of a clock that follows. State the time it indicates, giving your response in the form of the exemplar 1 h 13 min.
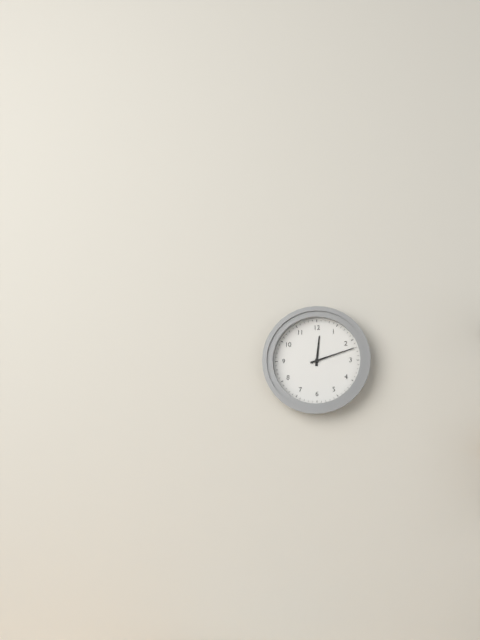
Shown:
12 h 12 min
